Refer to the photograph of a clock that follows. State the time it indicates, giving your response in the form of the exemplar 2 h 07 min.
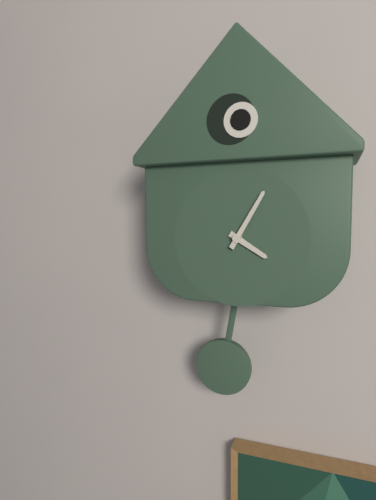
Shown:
4 h 05 min
